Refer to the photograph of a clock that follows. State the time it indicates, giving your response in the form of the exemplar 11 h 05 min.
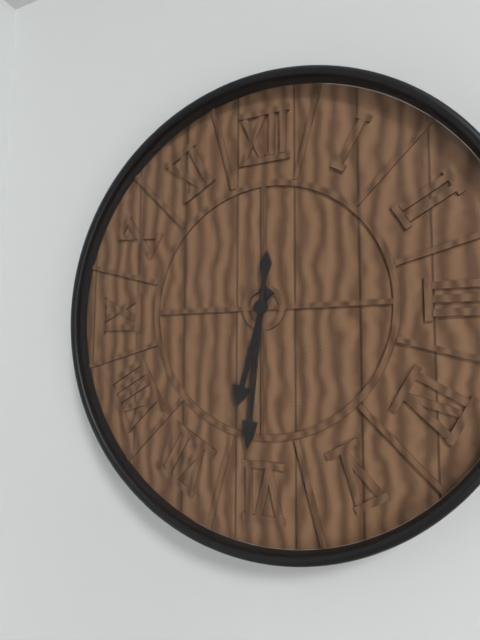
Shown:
6 h 31 min
